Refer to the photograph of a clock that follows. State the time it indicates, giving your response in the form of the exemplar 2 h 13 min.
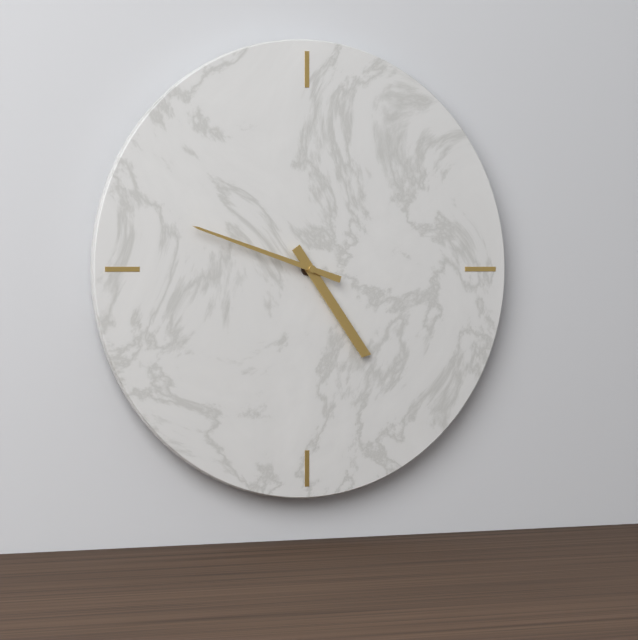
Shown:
4 h 48 min
